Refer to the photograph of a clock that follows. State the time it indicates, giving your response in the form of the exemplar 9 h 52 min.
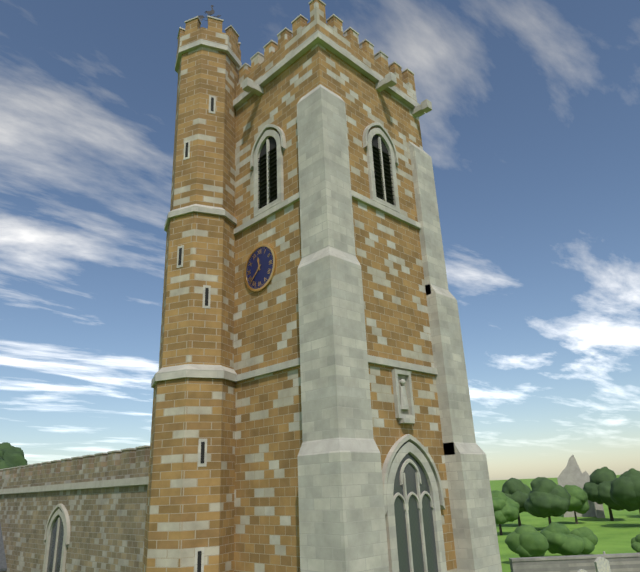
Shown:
11 h 38 min
